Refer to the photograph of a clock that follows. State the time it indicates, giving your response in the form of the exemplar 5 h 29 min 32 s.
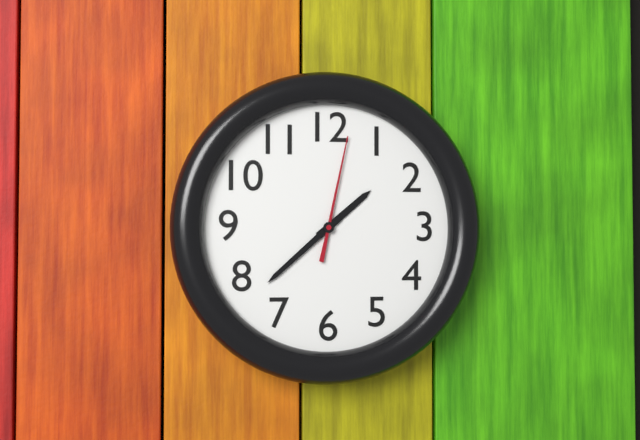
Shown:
1 h 38 min 02 s
